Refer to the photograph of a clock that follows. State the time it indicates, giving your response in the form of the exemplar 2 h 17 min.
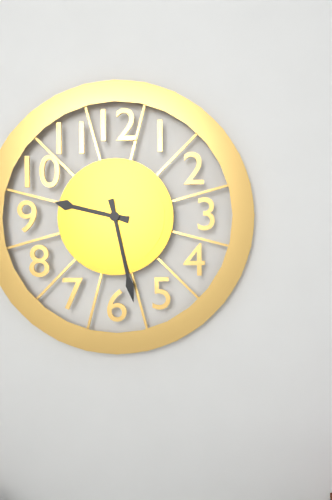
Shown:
9 h 28 min
